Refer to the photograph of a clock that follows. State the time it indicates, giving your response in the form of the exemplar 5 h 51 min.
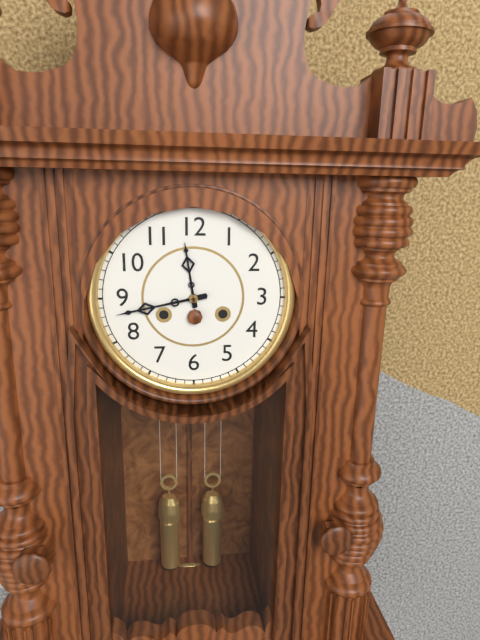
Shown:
11 h 43 min
